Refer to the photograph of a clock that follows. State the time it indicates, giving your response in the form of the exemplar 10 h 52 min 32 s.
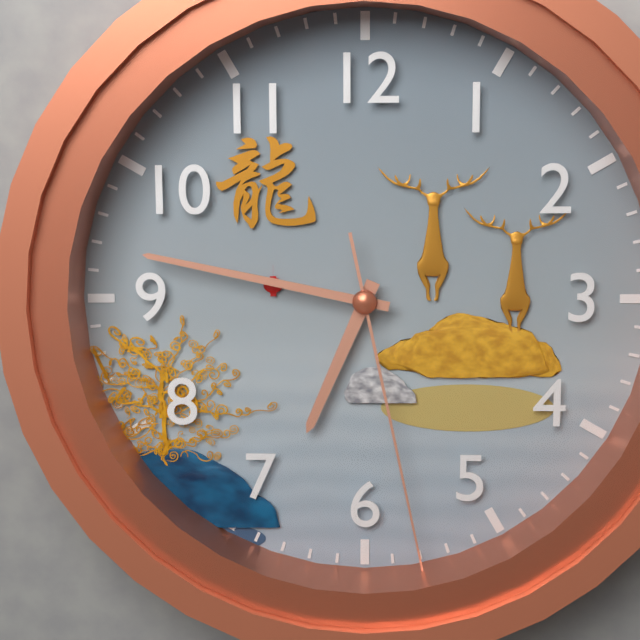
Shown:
6 h 47 min 28 s
